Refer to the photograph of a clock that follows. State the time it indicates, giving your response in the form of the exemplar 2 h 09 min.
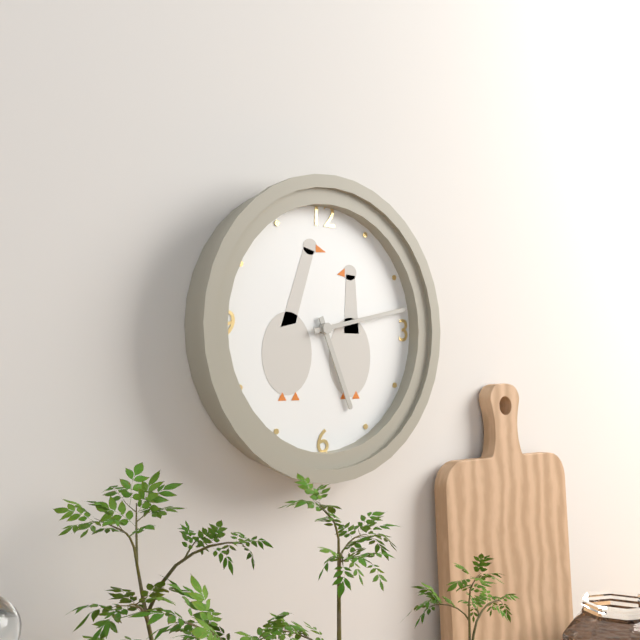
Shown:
5 h 13 min
